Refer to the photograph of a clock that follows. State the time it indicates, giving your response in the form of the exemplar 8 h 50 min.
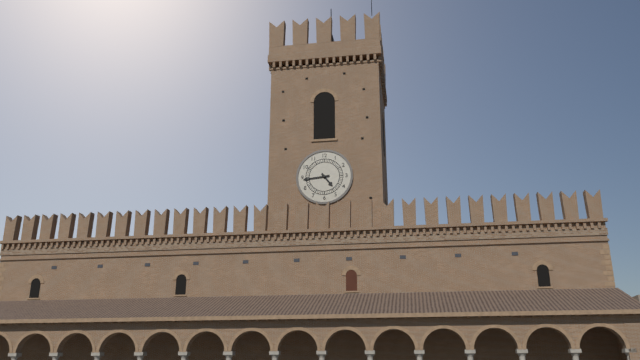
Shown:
4 h 44 min
